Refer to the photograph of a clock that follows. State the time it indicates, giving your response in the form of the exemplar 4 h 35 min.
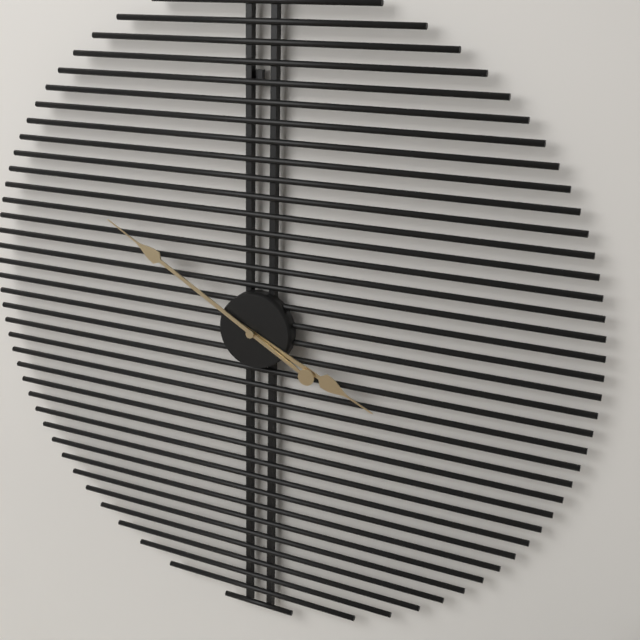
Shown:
3 h 50 min
